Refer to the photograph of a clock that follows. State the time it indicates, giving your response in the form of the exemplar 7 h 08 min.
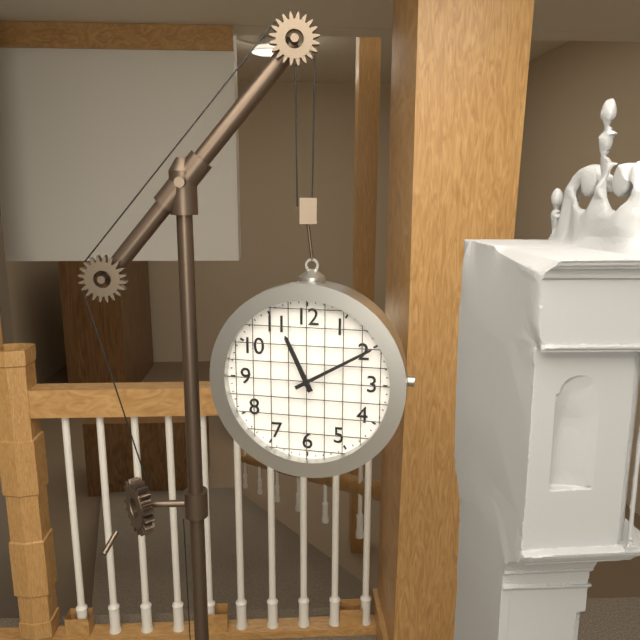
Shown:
11 h 10 min
